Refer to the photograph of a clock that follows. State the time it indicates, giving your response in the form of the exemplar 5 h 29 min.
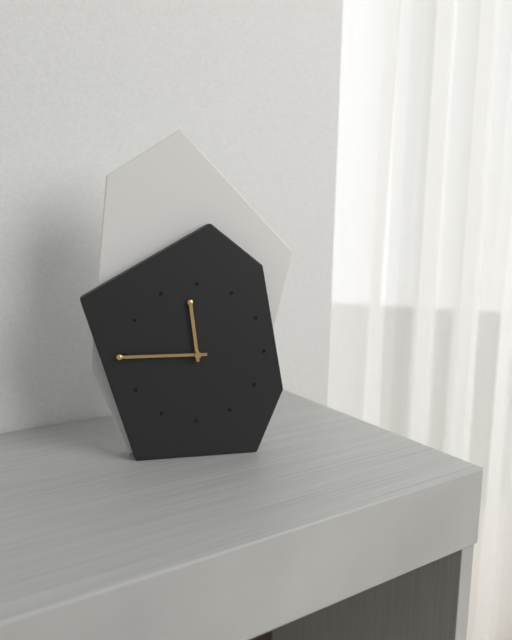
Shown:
11 h 45 min
